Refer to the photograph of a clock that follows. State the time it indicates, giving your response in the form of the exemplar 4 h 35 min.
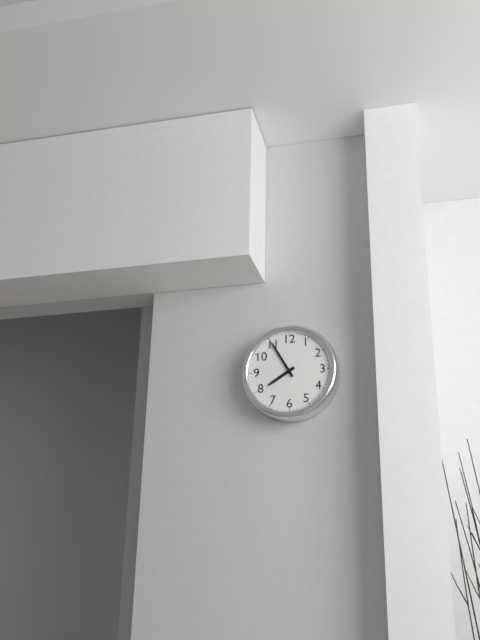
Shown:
7 h 55 min
